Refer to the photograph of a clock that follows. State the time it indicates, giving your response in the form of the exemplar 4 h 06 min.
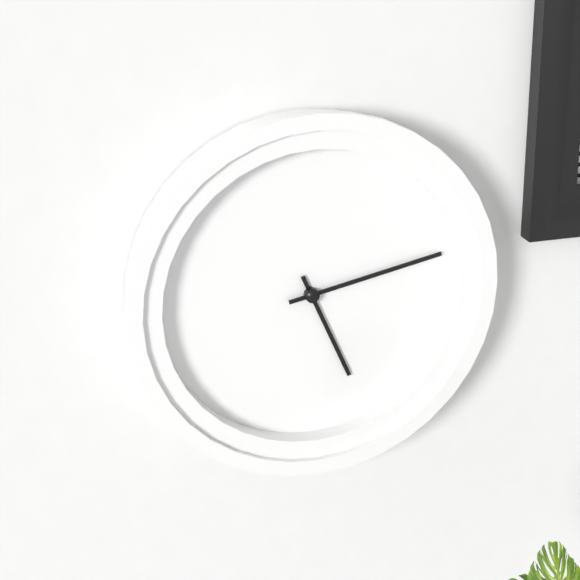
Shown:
5 h 13 min
